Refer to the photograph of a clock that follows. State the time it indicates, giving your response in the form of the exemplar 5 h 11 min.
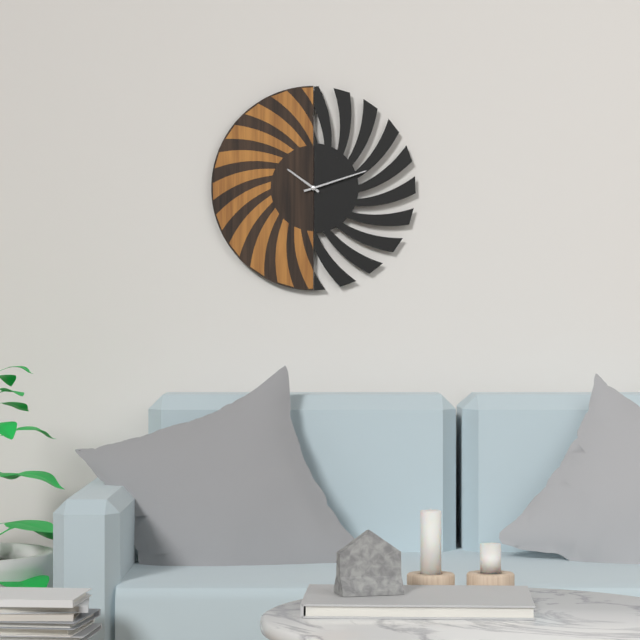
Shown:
10 h 12 min
